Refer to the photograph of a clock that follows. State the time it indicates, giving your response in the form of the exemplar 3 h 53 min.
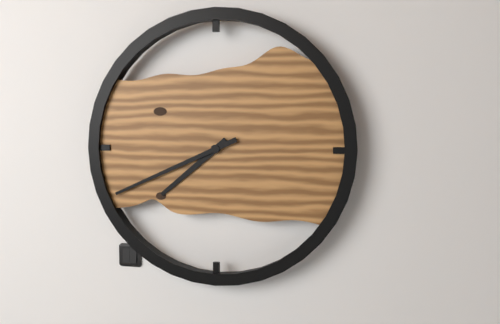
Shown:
7 h 41 min
